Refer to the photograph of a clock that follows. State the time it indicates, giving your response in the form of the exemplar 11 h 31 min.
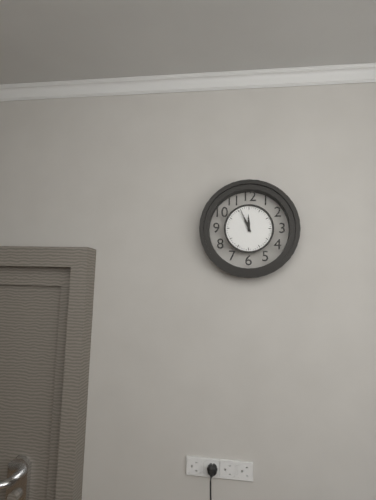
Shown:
11 h 56 min
